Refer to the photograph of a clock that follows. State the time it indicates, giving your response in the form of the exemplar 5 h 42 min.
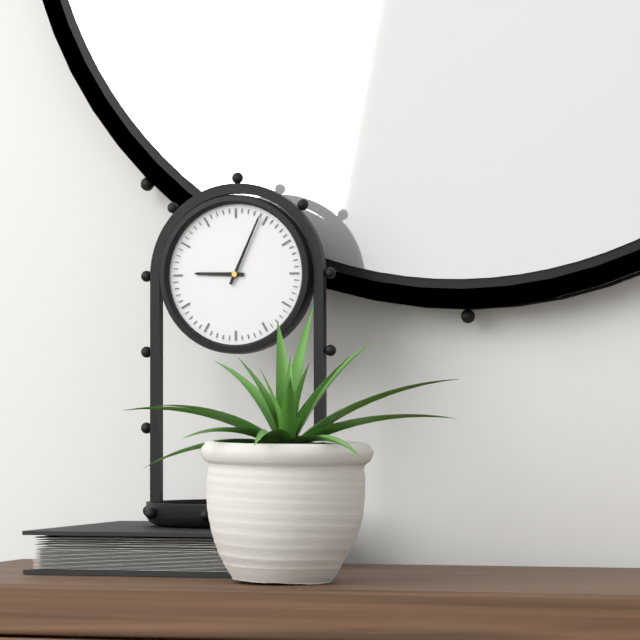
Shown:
9 h 04 min
